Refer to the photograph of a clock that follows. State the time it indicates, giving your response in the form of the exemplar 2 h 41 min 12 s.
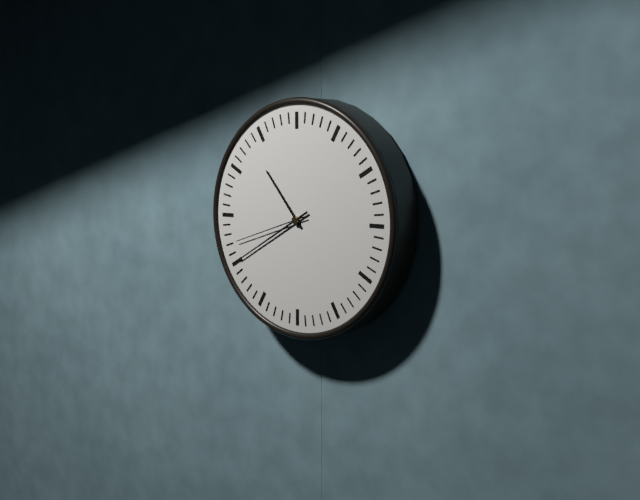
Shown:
10 h 40 min 42 s
